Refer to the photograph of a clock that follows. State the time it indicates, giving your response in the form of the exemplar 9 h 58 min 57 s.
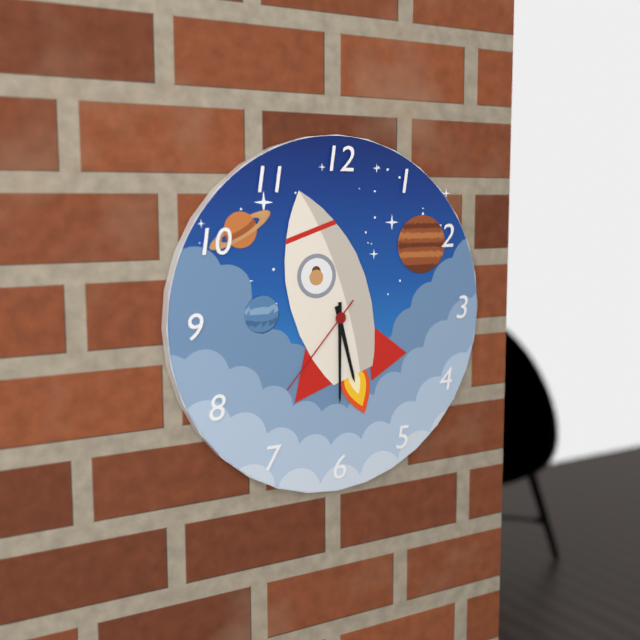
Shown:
5 h 30 min 37 s
